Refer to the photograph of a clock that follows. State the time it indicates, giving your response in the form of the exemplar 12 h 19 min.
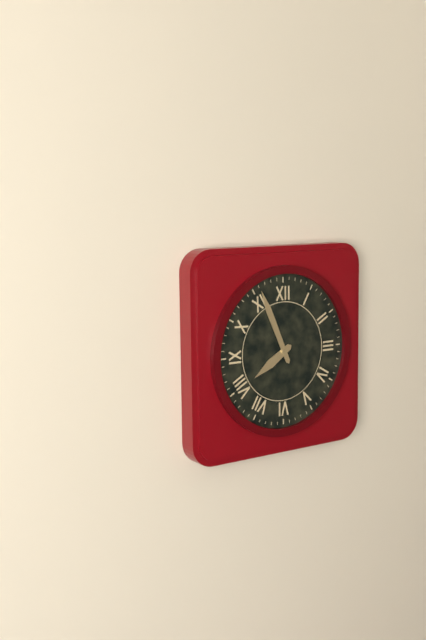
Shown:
7 h 56 min
